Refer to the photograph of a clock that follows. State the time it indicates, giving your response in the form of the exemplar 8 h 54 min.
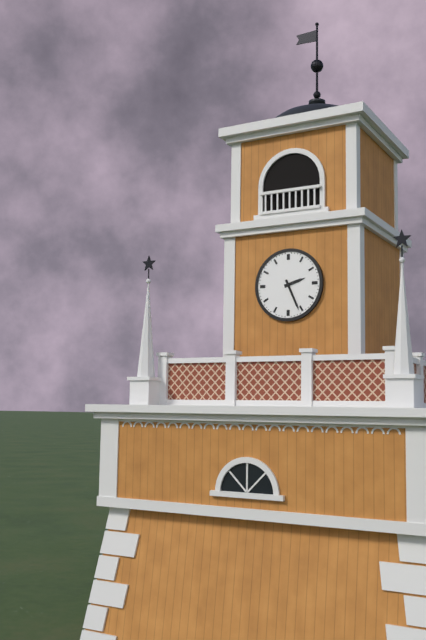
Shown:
2 h 26 min
